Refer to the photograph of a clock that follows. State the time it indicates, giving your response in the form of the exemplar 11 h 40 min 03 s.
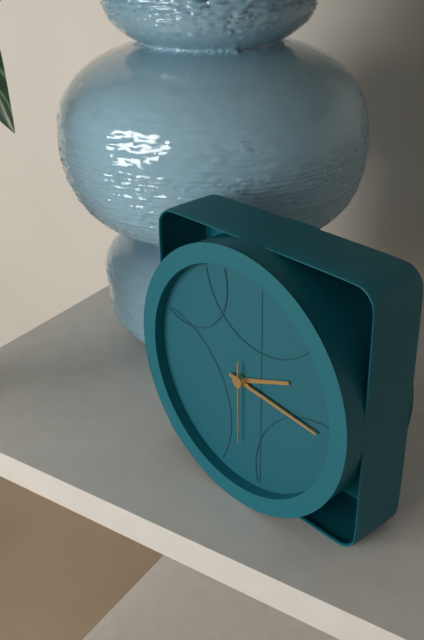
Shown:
2 h 16 min 30 s
